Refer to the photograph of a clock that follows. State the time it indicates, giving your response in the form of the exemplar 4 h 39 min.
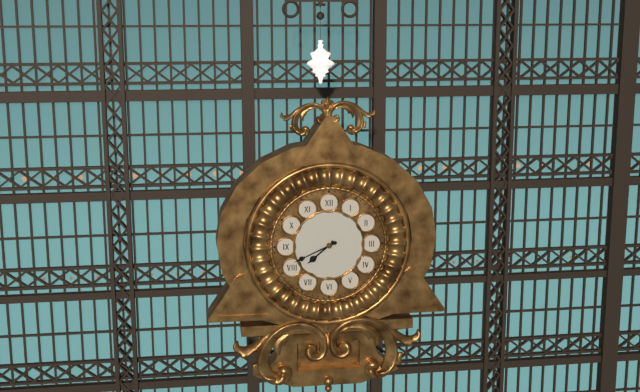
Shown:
7 h 41 min
